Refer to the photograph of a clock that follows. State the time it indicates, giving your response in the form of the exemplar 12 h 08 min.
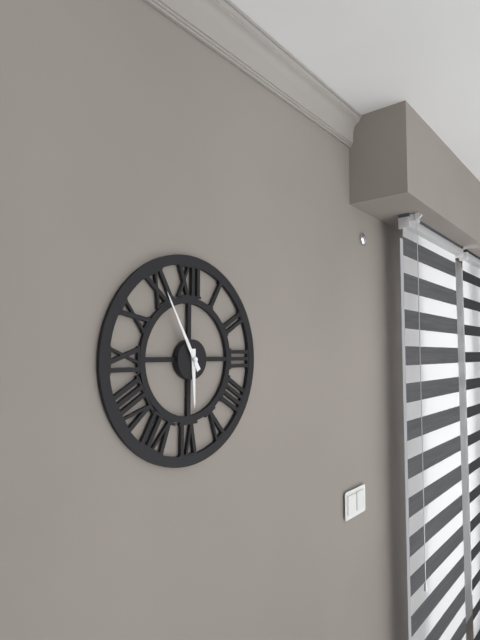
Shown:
5 h 55 min
